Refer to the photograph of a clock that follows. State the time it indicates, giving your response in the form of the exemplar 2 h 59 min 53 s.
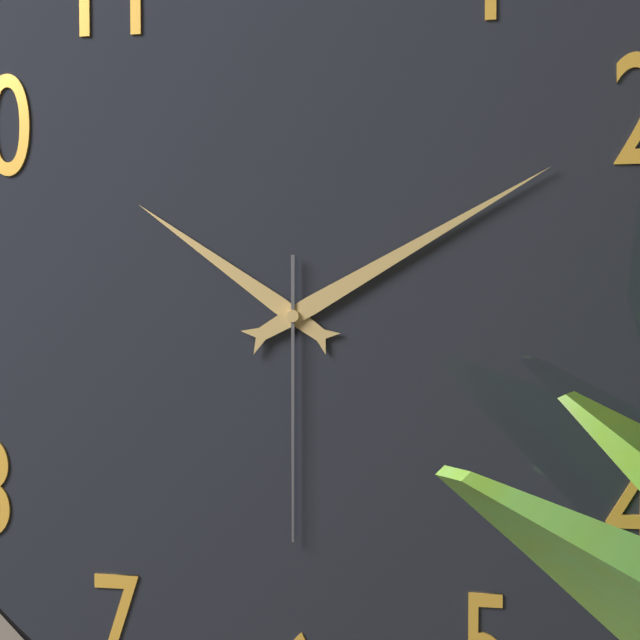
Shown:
10 h 10 min 30 s
